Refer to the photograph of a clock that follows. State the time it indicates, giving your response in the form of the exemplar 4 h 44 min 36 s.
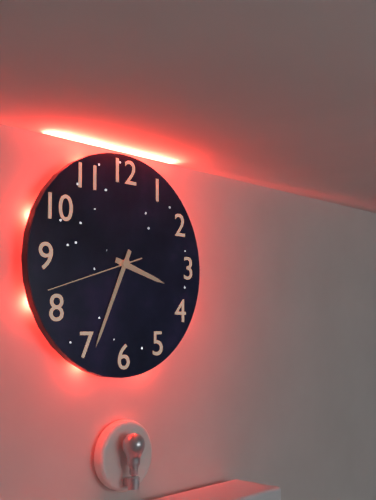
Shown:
3 h 34 min 42 s
